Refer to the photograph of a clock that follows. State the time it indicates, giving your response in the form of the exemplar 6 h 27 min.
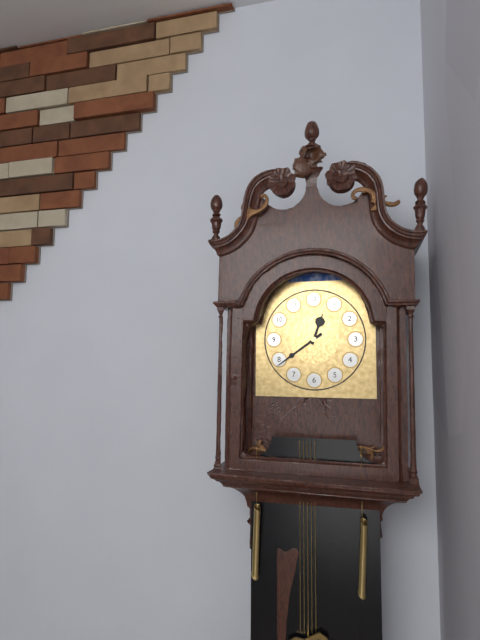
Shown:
12 h 39 min
